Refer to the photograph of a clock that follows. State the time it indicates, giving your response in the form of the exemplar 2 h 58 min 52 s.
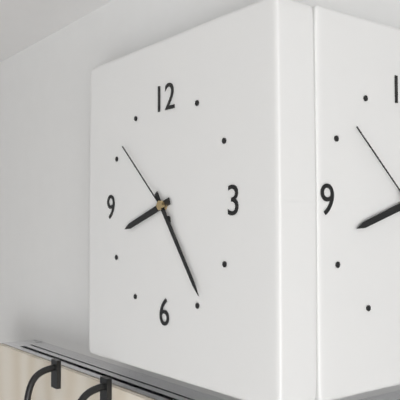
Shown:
8 h 24 min 52 s
